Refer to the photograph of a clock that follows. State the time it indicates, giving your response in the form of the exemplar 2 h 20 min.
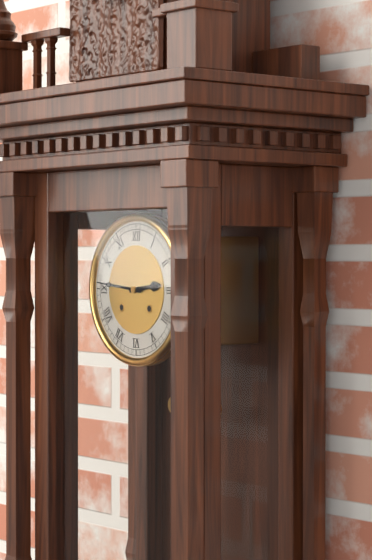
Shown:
2 h 46 min
